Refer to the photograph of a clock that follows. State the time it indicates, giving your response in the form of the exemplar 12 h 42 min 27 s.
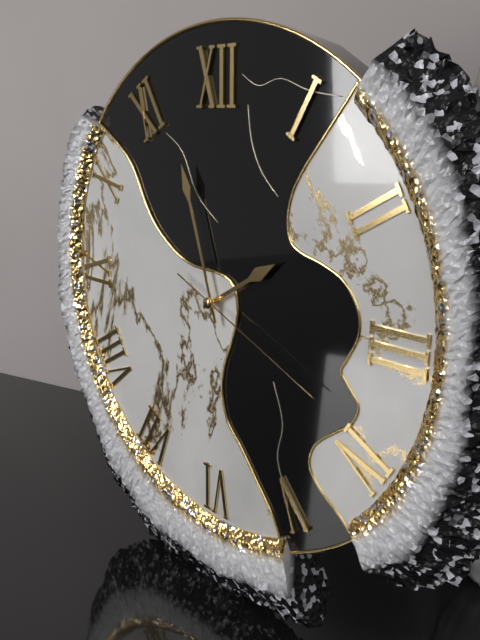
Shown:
1 h 57 min 19 s
